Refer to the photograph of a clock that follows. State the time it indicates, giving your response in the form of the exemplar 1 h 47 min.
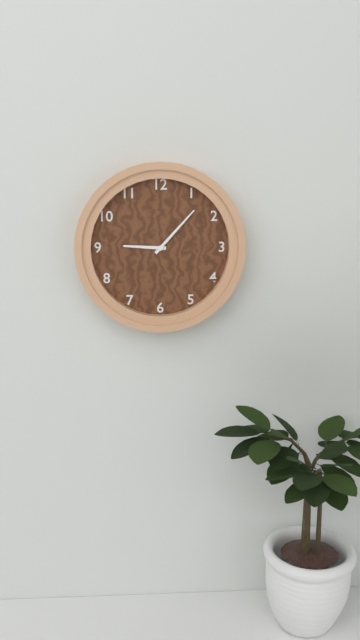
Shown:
9 h 07 min
